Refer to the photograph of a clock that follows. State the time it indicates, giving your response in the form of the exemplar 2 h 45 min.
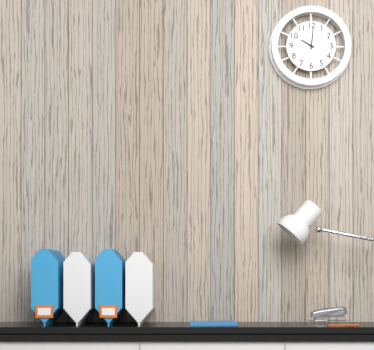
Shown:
10 h 01 min
